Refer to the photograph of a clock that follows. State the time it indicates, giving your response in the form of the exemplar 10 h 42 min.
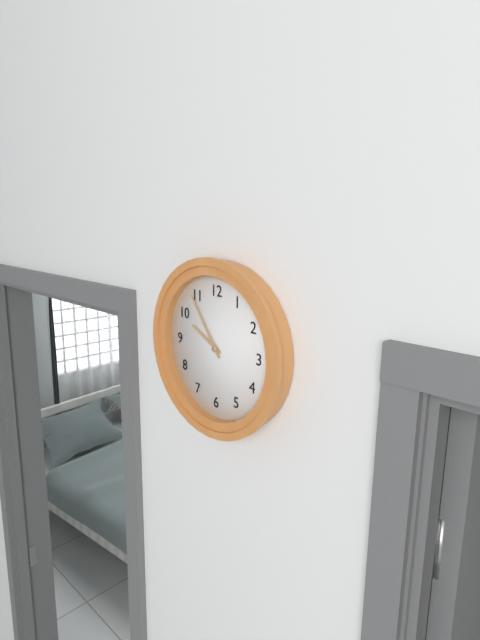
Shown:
9 h 54 min
